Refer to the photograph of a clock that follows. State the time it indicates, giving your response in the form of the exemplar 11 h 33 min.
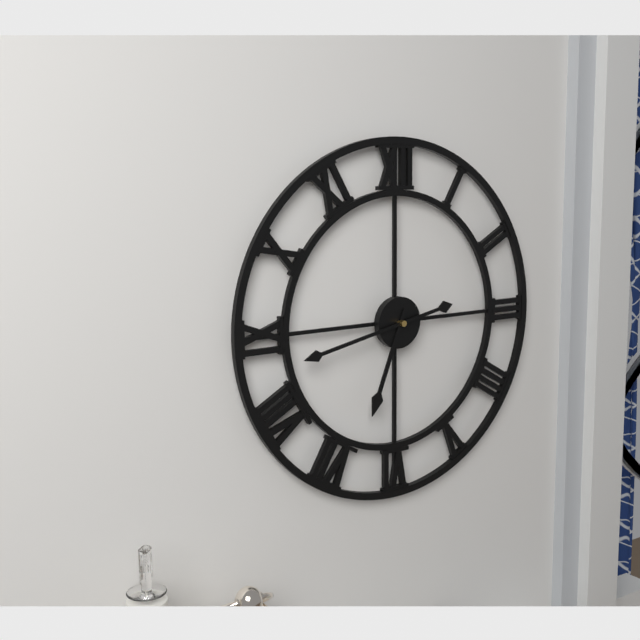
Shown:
6 h 43 min
